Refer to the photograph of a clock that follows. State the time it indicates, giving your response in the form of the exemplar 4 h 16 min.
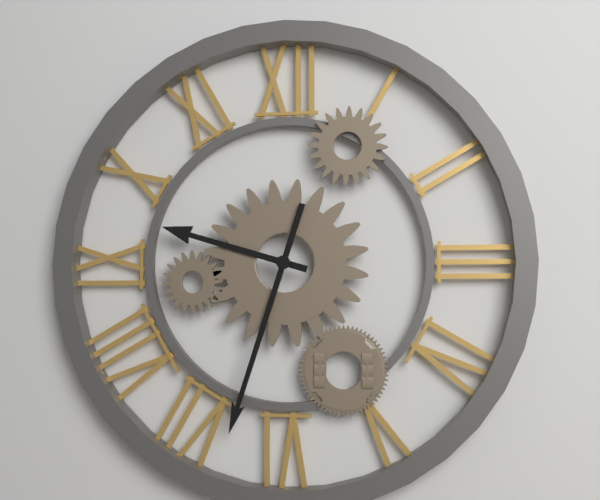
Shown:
9 h 33 min
